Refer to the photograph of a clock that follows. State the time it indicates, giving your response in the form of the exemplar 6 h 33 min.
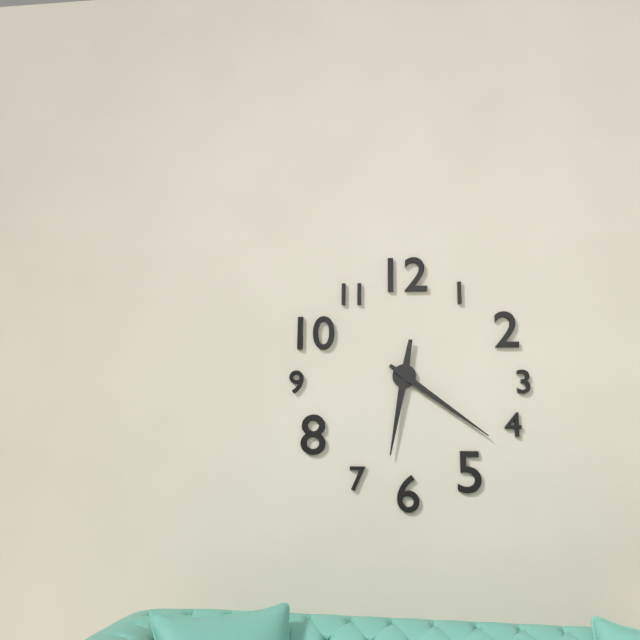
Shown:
6 h 21 min
